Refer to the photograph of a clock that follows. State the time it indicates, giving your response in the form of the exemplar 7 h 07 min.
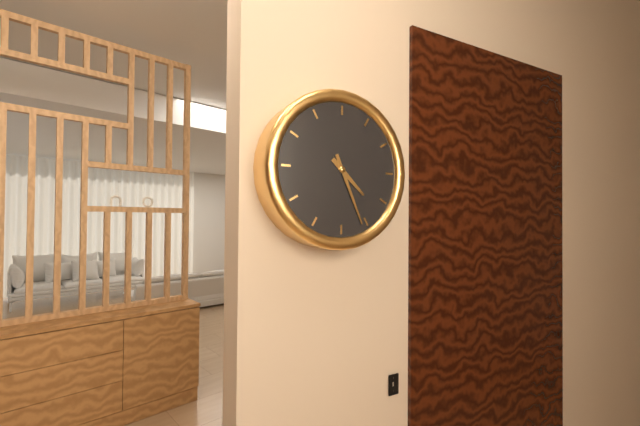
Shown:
4 h 26 min
